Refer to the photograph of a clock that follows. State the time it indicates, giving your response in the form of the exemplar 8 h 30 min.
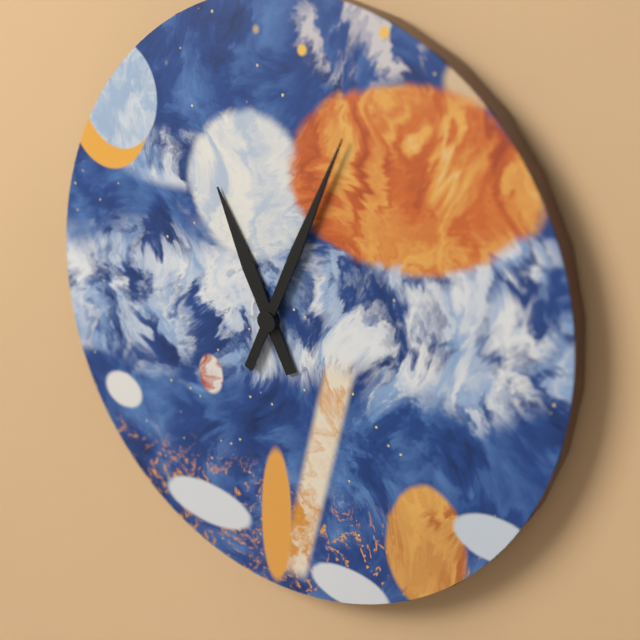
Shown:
11 h 04 min
